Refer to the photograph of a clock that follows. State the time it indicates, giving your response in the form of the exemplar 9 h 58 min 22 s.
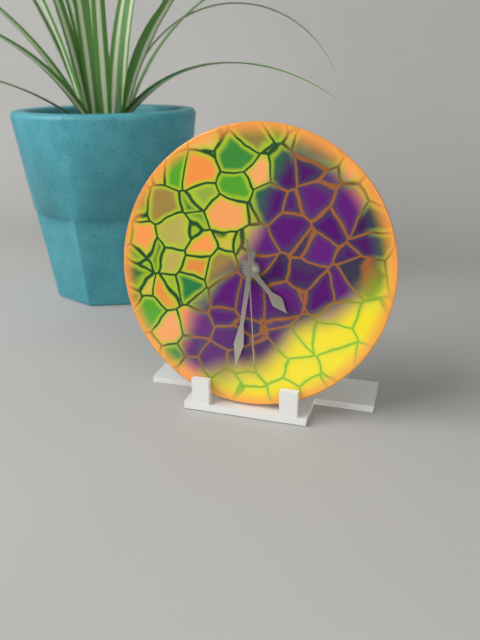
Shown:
4 h 31 min 29 s
